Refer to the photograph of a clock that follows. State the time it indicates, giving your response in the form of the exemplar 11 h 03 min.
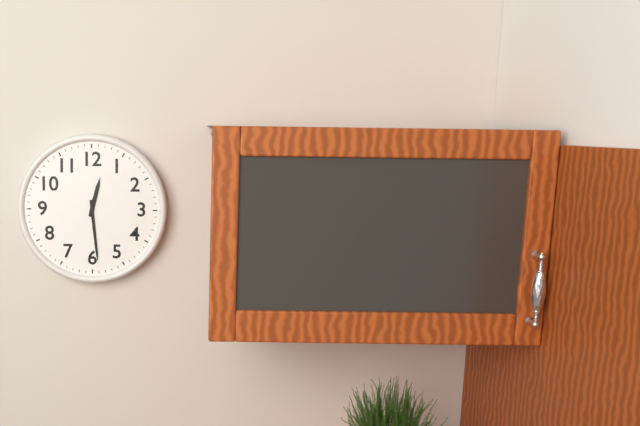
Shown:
12 h 29 min
